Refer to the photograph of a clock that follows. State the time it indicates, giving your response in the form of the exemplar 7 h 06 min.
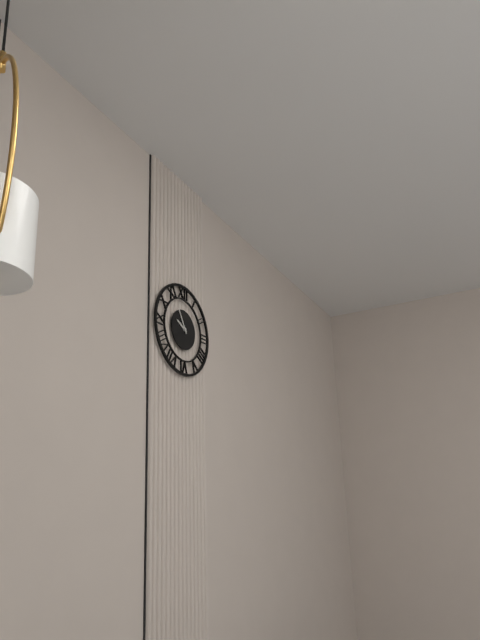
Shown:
9 h 55 min
